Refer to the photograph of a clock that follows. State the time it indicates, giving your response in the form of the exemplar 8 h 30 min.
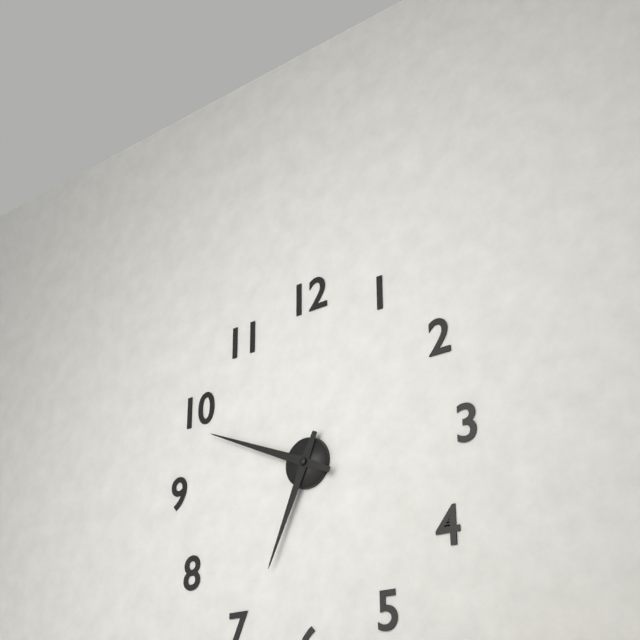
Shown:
6 h 49 min
